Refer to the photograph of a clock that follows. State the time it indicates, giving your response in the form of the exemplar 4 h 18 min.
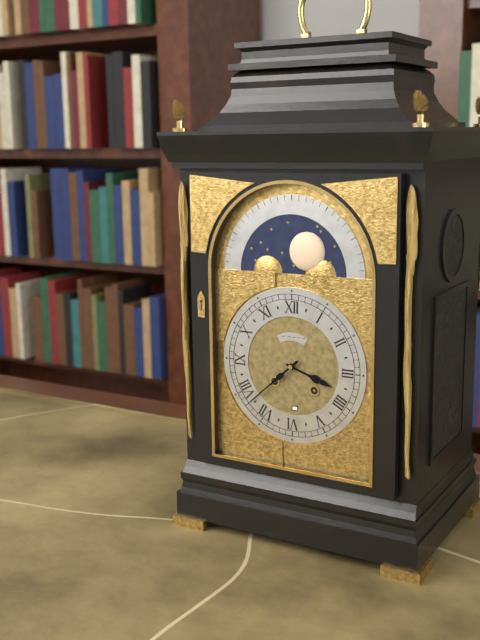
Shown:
3 h 38 min
